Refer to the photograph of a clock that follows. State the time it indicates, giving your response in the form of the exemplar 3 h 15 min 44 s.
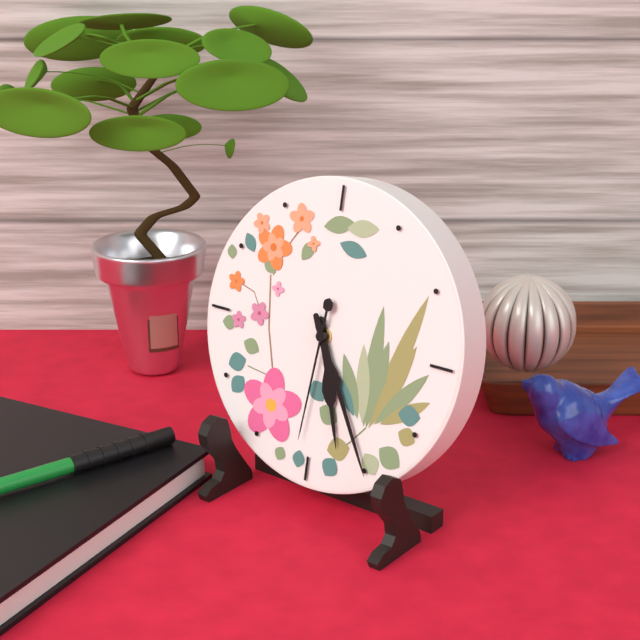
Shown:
5 h 25 min 31 s
